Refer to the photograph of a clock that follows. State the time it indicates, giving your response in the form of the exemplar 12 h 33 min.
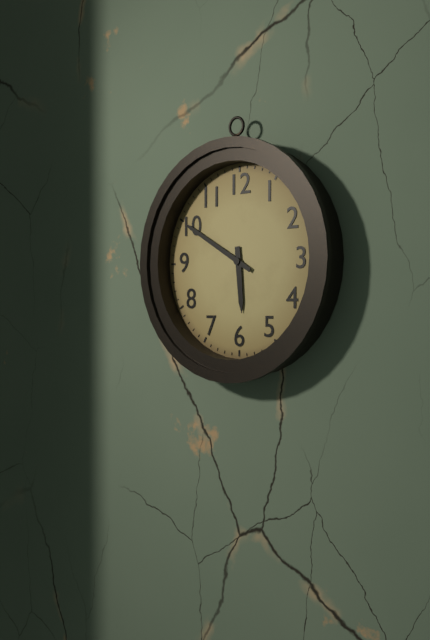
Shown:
5 h 50 min
